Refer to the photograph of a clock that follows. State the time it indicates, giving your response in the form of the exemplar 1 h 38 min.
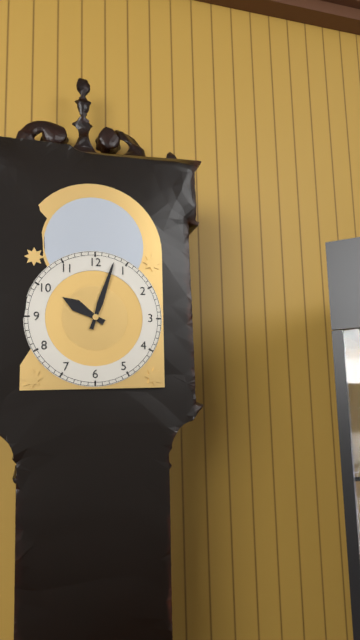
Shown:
10 h 03 min
